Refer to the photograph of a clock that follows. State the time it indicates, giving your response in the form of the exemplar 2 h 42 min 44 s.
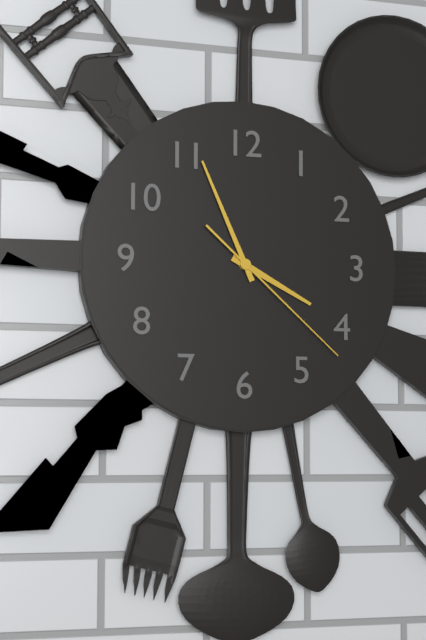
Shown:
3 h 56 min 22 s
